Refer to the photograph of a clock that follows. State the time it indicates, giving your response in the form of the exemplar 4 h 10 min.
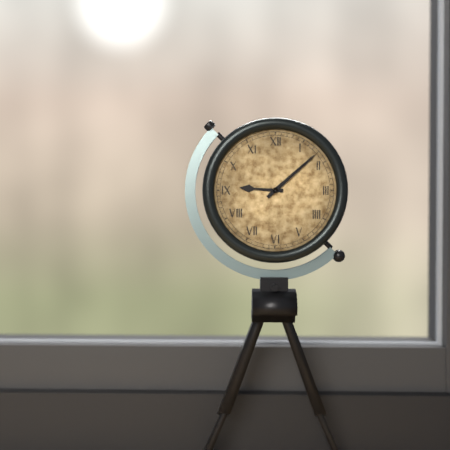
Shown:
9 h 08 min
